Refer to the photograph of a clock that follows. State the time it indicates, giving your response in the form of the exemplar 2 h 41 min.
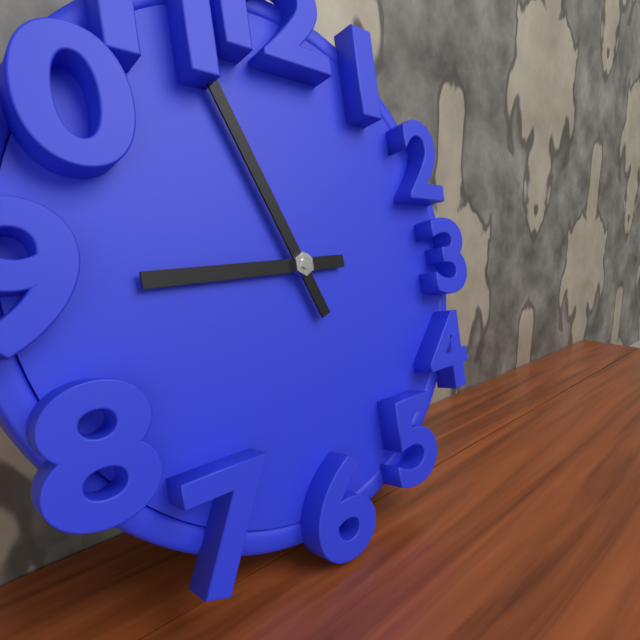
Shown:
8 h 56 min
